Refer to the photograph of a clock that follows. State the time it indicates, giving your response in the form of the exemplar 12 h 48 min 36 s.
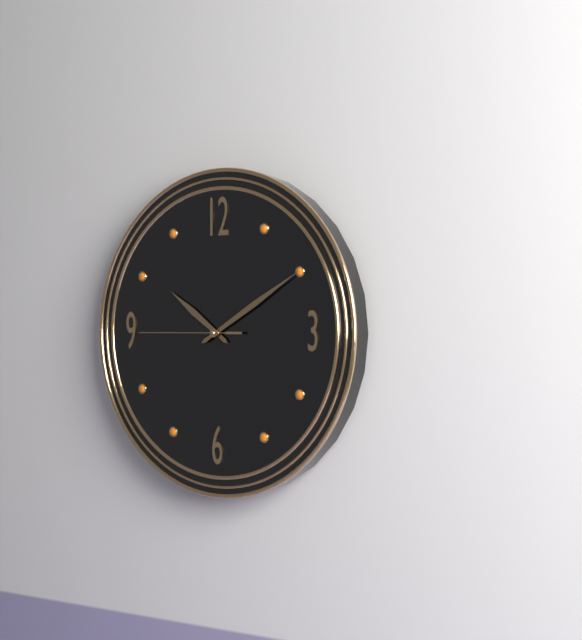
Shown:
10 h 10 min 45 s
